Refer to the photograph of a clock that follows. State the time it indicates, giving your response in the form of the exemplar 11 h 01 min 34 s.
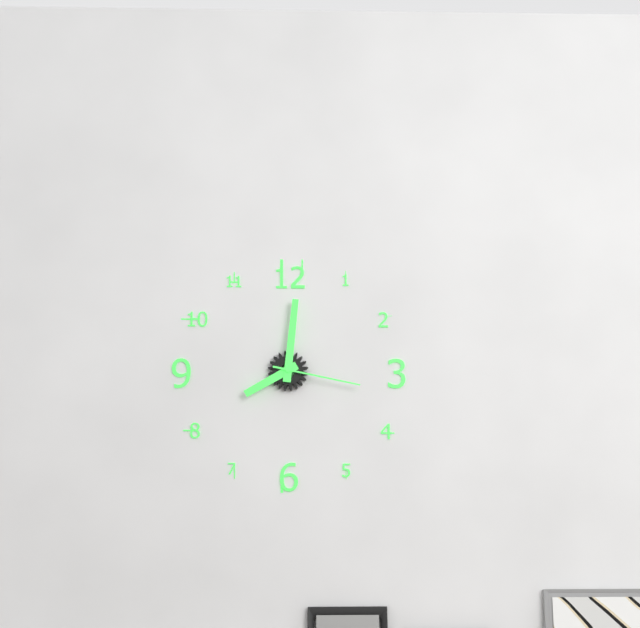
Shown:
8 h 01 min 17 s
